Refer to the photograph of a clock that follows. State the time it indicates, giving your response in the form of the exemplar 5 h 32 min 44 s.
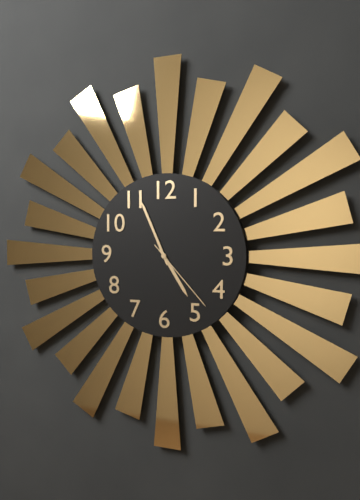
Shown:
4 h 56 min 23 s
